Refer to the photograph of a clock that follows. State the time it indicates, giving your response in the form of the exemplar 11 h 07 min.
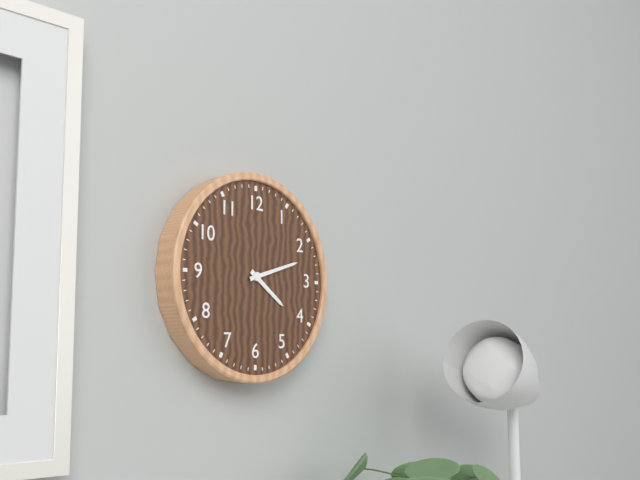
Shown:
4 h 12 min
